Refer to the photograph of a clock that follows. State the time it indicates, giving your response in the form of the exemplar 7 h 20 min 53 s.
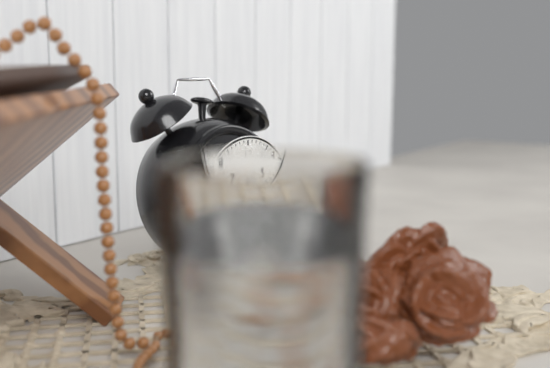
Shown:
10 h 11 min 10 s
